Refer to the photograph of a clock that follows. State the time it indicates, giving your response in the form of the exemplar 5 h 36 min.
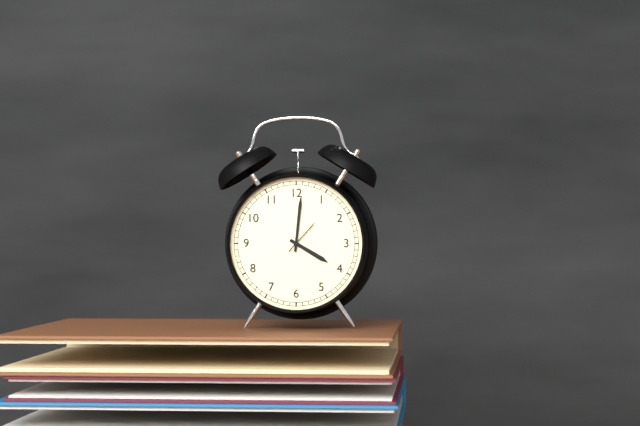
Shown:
4 h 01 min
